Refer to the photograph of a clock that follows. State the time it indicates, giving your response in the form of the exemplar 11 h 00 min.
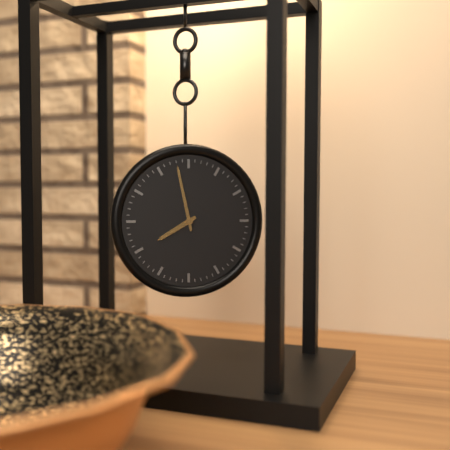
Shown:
7 h 58 min
